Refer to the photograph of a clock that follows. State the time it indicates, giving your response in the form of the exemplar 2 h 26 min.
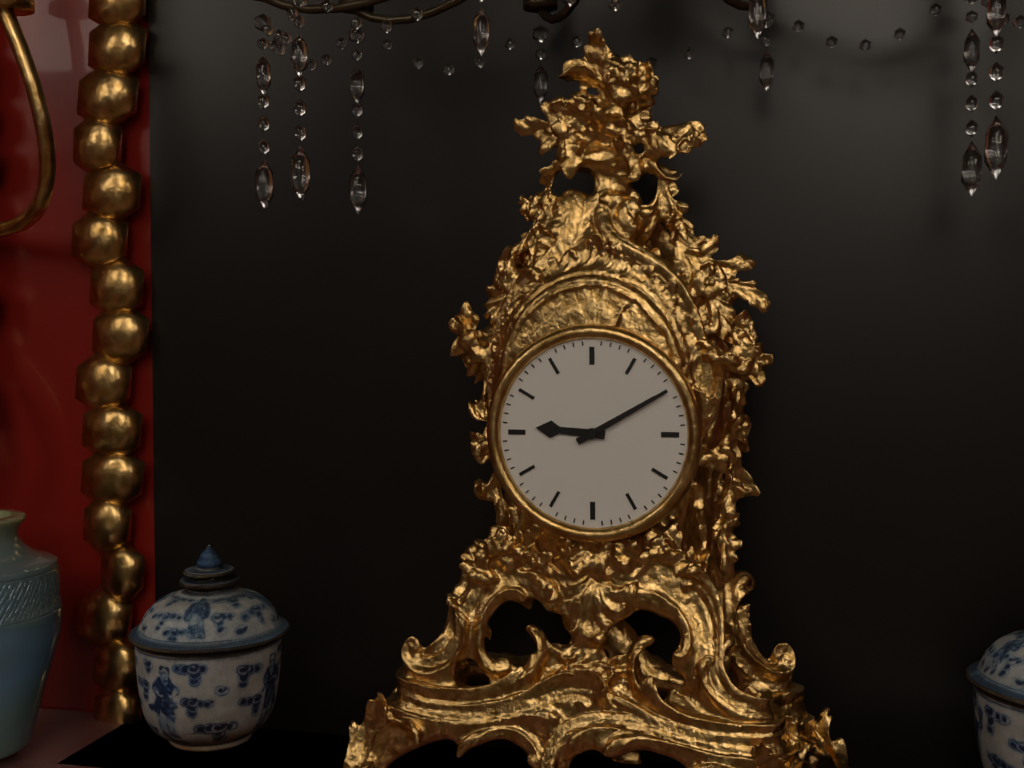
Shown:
9 h 10 min
